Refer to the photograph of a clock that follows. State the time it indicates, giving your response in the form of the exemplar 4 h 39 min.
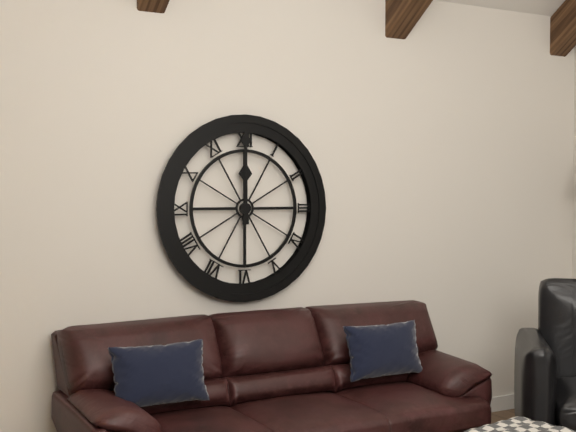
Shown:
12 h 00 min
